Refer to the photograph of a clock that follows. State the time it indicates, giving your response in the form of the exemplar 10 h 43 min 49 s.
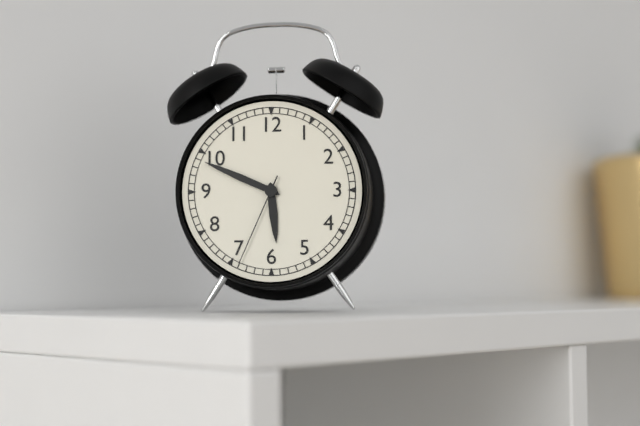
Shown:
5 h 49 min 34 s
